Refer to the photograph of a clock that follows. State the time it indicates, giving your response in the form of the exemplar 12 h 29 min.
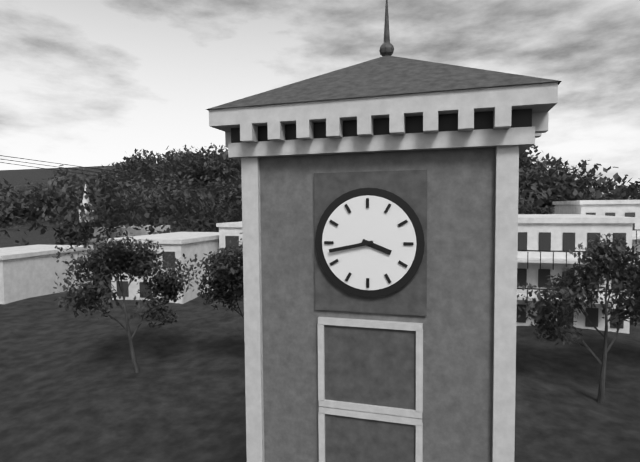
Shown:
3 h 43 min
